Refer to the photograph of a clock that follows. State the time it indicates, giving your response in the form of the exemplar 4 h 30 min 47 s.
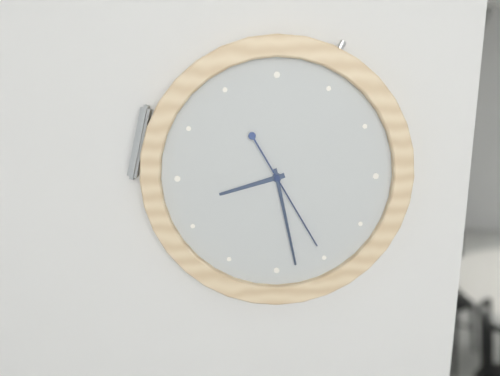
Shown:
8 h 28 min 25 s
